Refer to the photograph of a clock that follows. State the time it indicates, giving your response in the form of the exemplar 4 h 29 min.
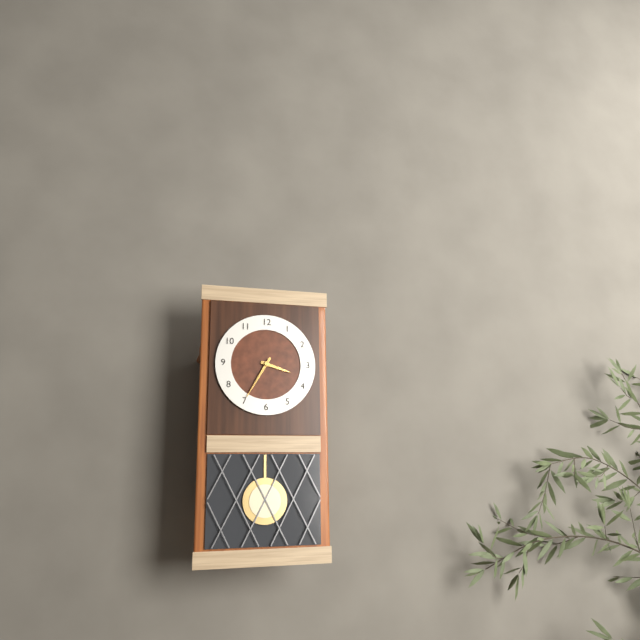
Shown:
3 h 35 min
